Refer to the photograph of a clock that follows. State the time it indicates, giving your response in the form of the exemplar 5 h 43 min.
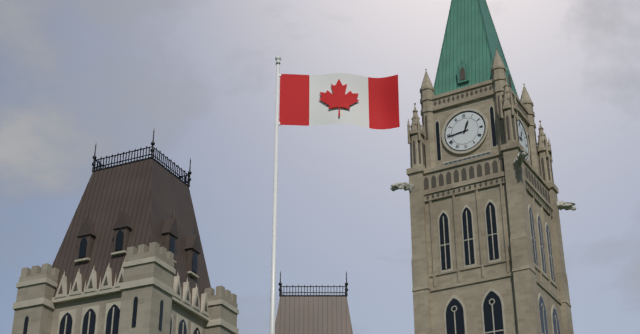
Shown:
12 h 44 min
